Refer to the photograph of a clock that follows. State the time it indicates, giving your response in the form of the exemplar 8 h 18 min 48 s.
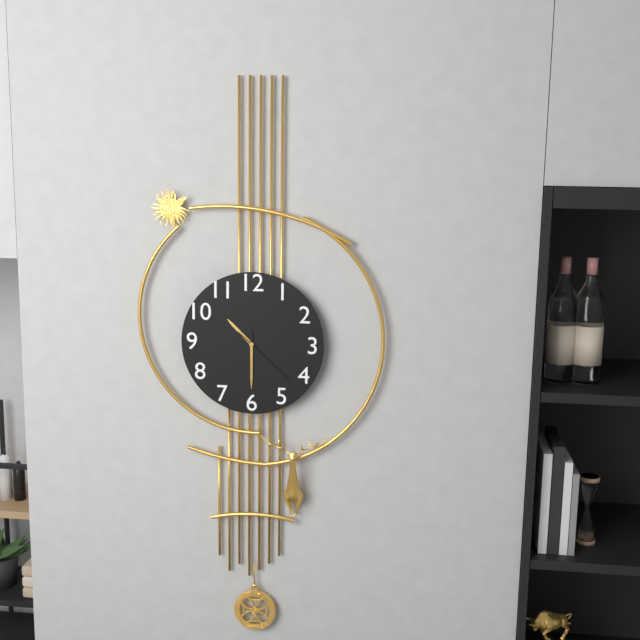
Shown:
10 h 30 min 22 s
